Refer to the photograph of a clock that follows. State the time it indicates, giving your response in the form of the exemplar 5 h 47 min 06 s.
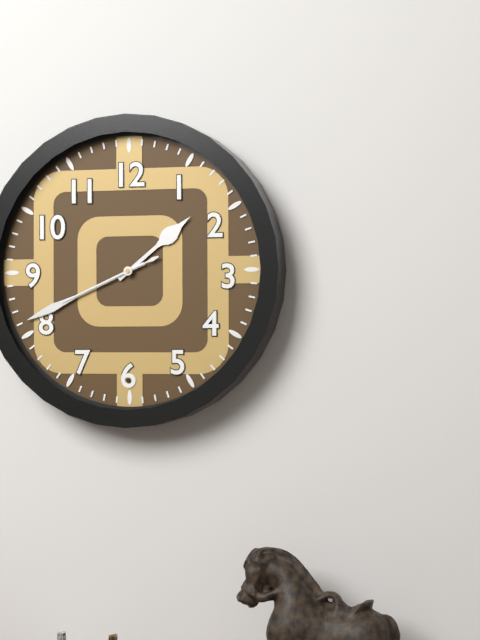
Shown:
1 h 41 min 41 s
